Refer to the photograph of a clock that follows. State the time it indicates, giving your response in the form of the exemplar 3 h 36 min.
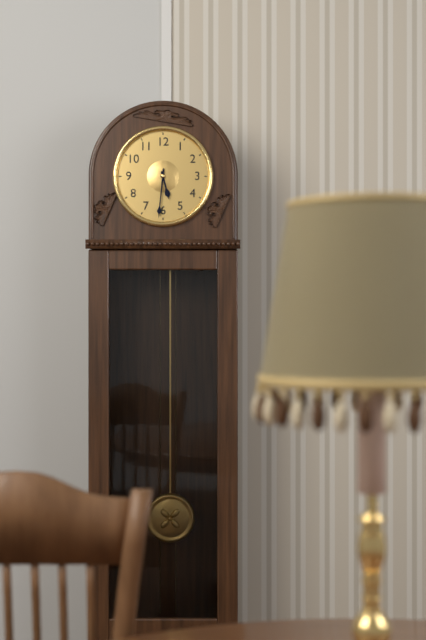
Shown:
5 h 31 min
